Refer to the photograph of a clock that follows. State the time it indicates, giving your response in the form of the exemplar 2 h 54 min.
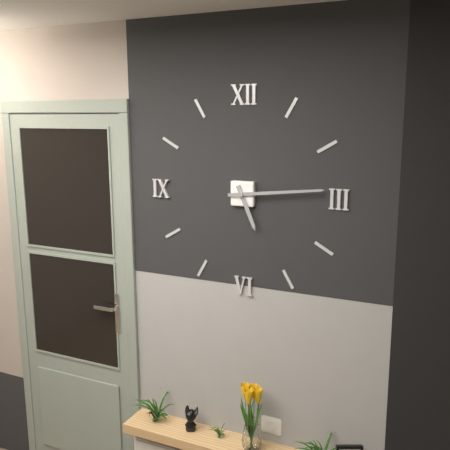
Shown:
5 h 14 min
